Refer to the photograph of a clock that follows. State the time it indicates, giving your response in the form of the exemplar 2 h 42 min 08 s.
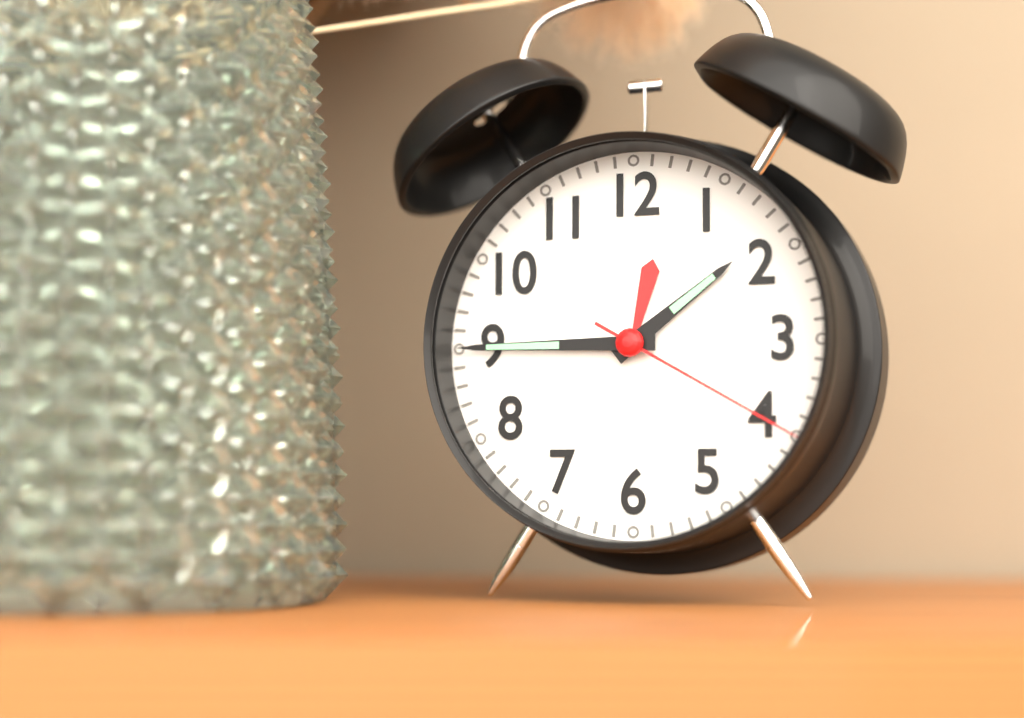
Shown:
1 h 45 min 20 s
